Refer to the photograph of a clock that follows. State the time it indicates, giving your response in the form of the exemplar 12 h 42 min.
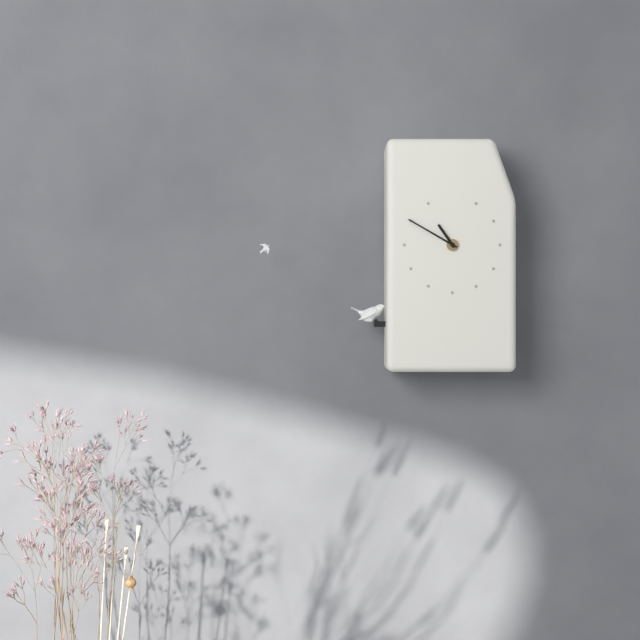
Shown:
10 h 50 min
